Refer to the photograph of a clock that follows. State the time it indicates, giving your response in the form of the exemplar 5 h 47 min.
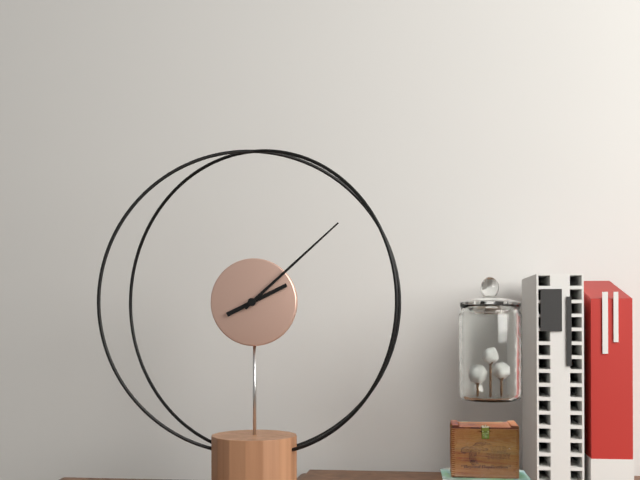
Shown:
2 h 08 min
